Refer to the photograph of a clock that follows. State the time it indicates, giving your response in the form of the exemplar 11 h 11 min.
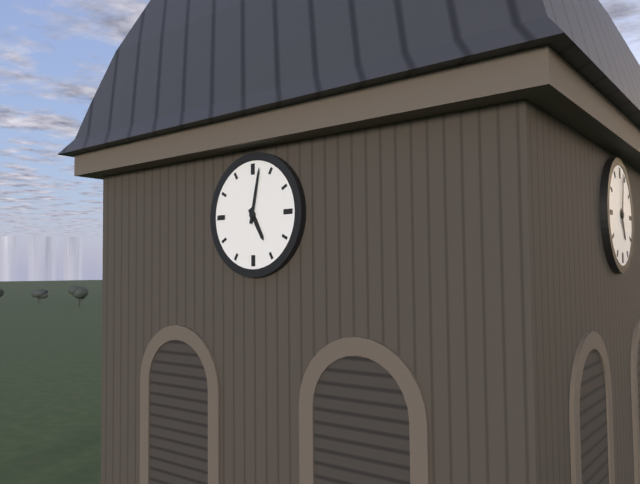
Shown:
5 h 02 min
